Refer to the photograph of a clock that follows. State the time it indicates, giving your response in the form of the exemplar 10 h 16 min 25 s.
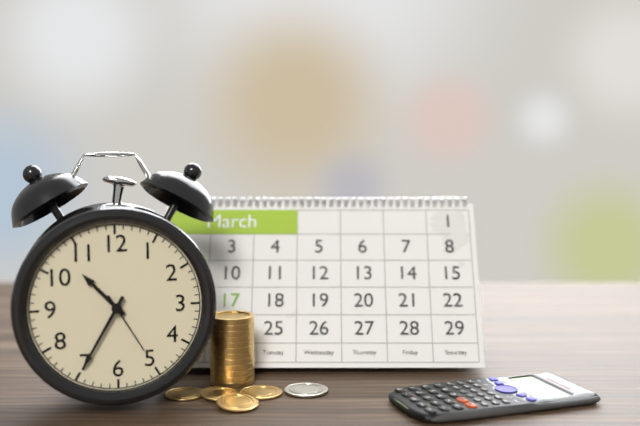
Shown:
10 h 35 min 25 s
